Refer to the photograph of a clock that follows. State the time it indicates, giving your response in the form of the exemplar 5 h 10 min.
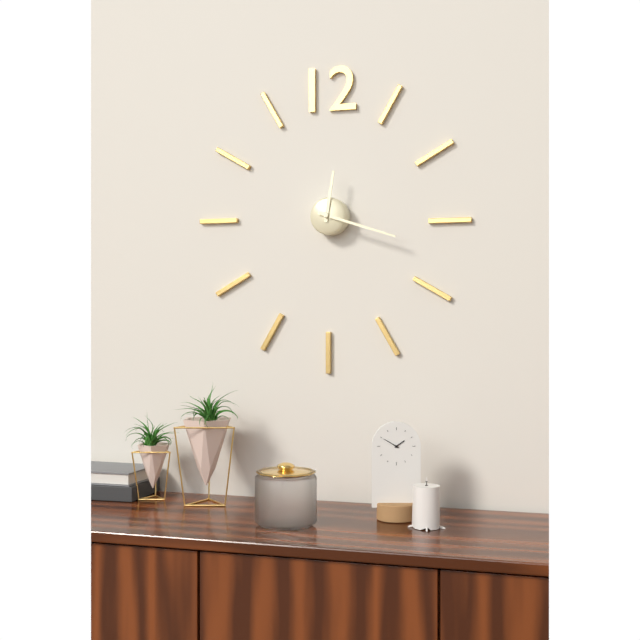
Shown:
12 h 18 min
